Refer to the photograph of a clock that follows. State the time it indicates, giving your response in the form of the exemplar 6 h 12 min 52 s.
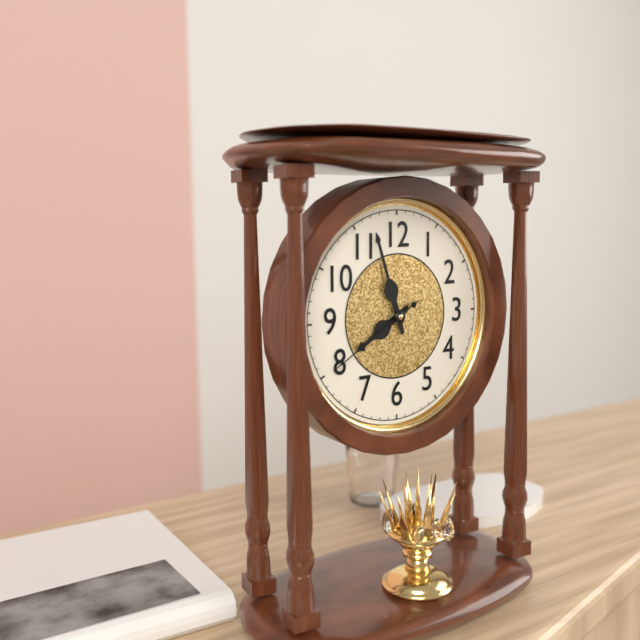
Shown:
7 h 57 min 40 s
